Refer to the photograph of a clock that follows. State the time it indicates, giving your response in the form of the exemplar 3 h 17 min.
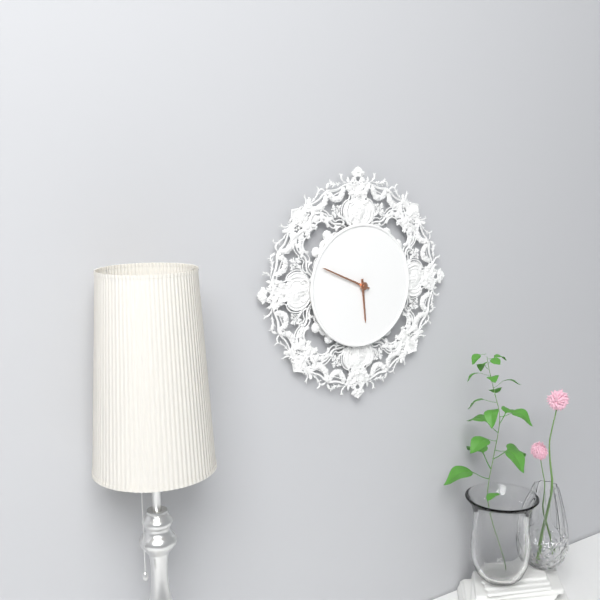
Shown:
5 h 49 min
